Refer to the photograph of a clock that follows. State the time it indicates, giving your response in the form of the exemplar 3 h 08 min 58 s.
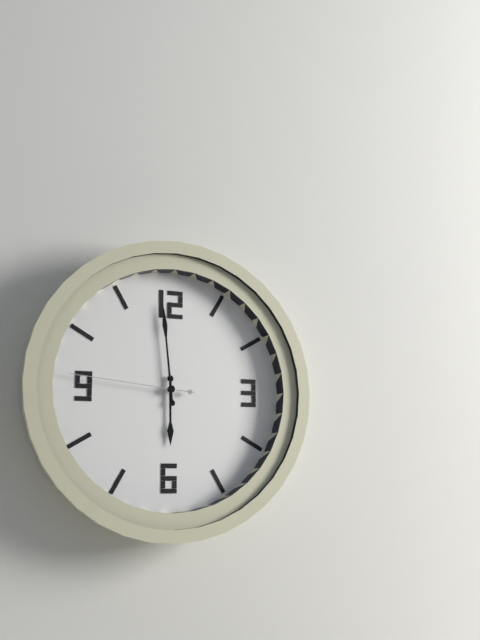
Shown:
5 h 59 min 46 s
